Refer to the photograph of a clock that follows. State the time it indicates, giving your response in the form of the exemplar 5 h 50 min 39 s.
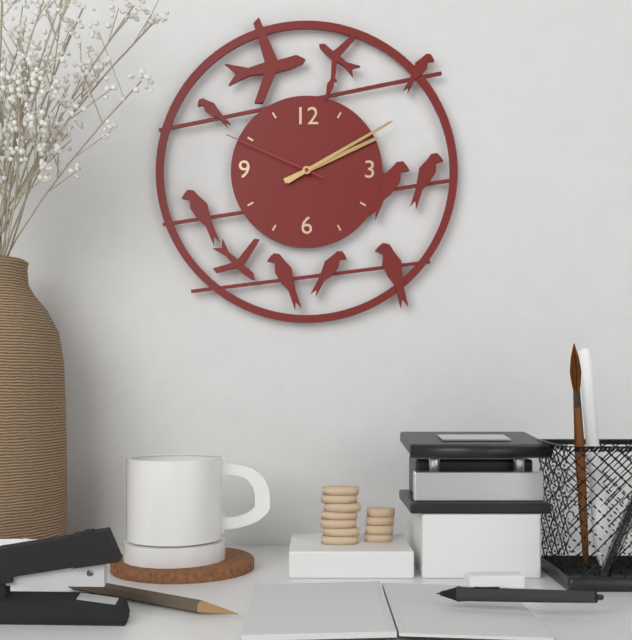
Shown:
2 h 10 min 49 s
